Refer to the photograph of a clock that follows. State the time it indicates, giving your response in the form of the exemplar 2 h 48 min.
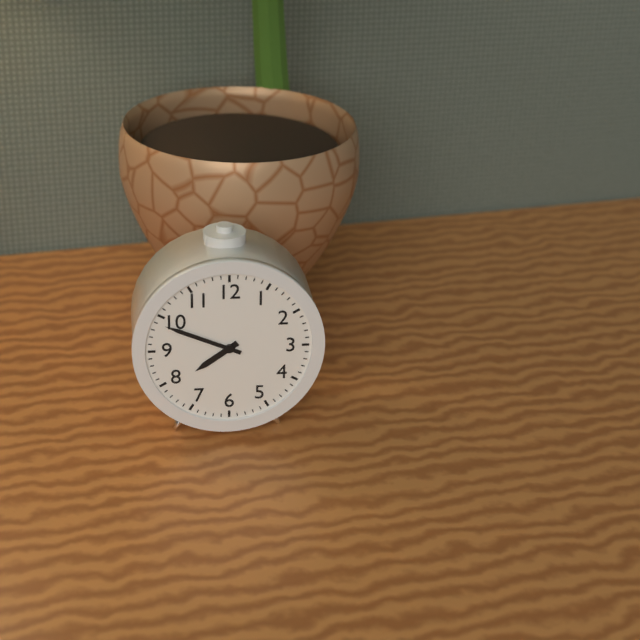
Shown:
7 h 49 min
